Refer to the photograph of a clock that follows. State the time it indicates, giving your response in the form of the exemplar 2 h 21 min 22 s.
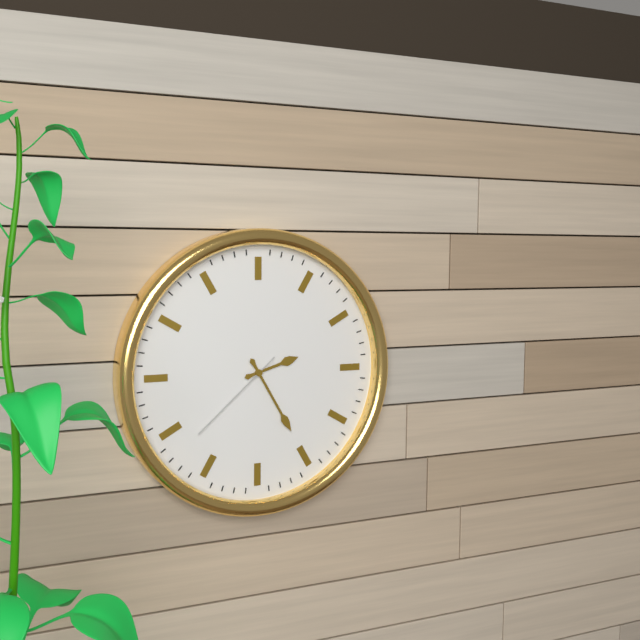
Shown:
2 h 25 min 38 s
